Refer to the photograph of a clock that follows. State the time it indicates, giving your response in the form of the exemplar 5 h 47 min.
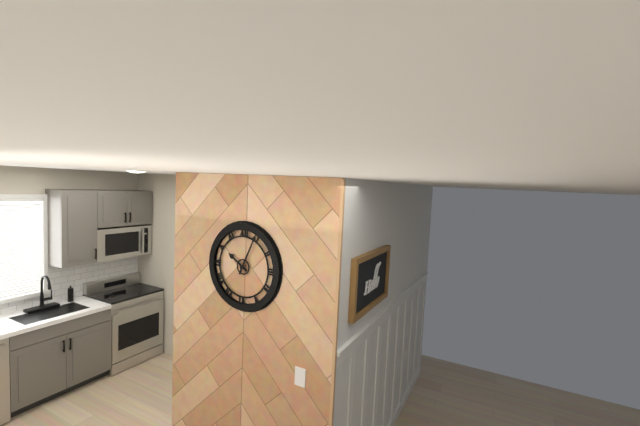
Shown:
10 h 04 min
